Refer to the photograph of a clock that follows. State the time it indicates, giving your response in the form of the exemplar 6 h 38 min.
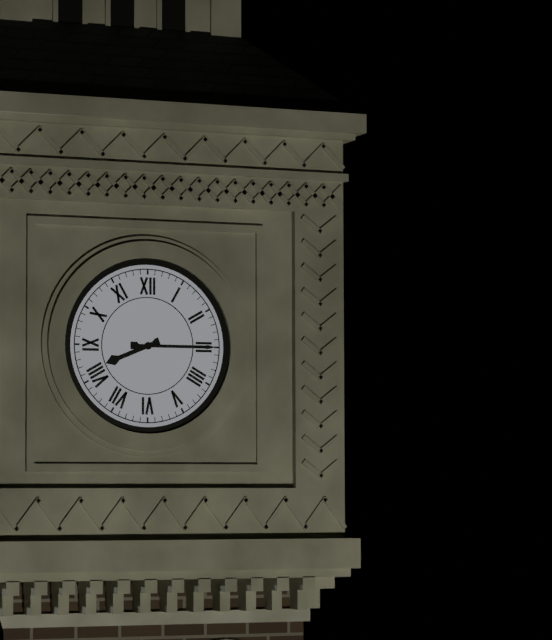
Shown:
8 h 15 min
